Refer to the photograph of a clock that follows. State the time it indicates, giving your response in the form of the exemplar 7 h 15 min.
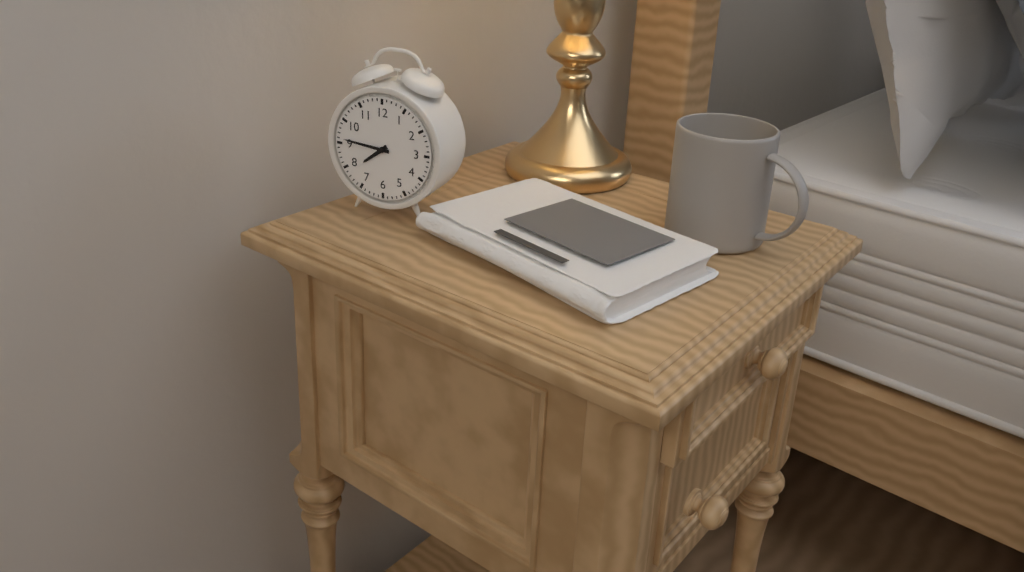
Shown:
7 h 46 min
